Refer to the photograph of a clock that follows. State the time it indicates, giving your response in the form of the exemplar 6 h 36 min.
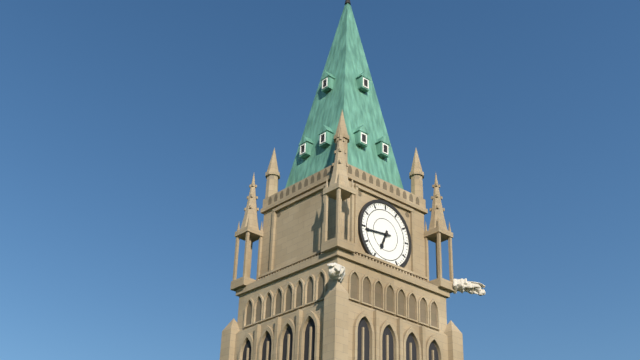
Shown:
6 h 44 min
